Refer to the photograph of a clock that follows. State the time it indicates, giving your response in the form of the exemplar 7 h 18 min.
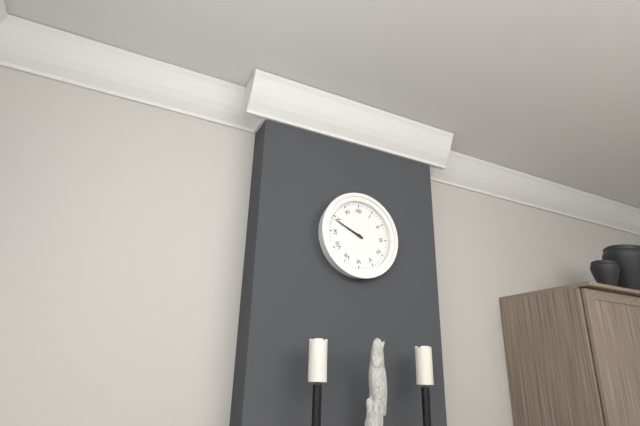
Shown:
9 h 49 min
